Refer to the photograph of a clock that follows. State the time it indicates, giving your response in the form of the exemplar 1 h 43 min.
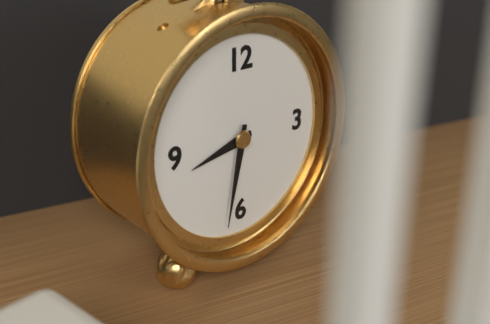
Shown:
8 h 32 min
